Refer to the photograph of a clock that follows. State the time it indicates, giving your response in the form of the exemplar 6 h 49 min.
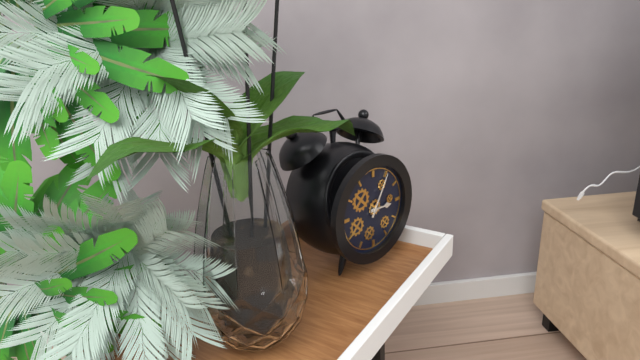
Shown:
3 h 05 min
